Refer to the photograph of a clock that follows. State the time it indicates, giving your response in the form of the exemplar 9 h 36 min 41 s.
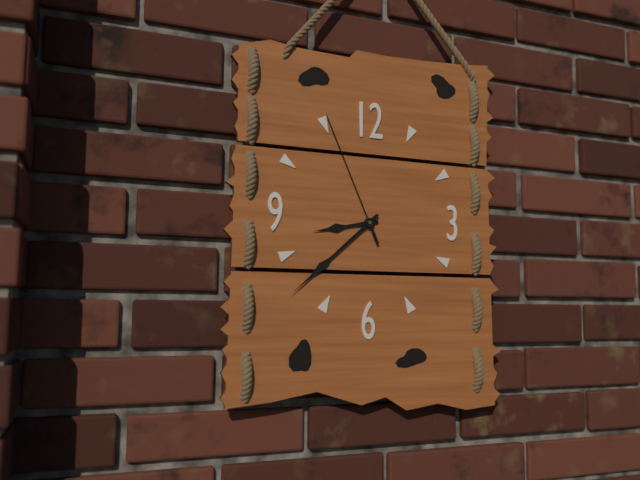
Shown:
8 h 38 min 56 s
